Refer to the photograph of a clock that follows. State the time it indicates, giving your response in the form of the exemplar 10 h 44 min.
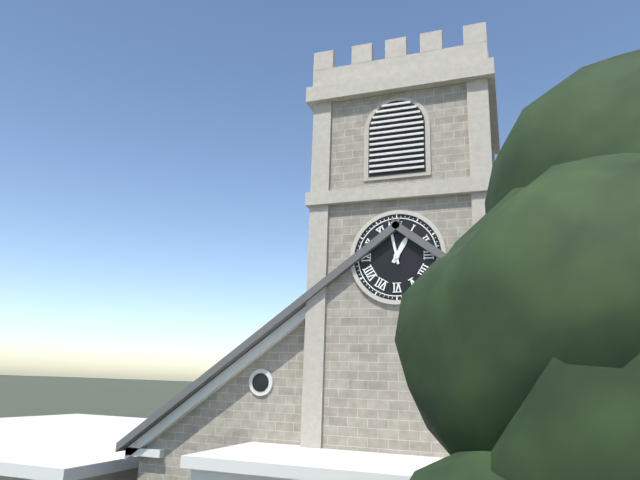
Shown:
12 h 58 min
